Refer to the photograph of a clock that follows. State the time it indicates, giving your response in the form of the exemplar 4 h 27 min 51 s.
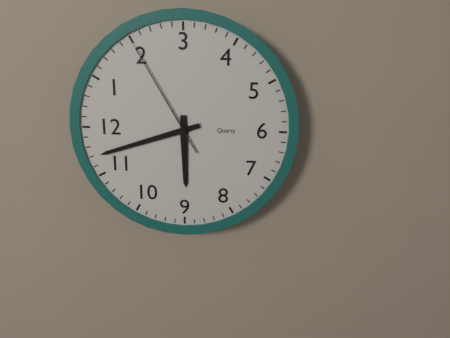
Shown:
8 h 57 min 10 s
